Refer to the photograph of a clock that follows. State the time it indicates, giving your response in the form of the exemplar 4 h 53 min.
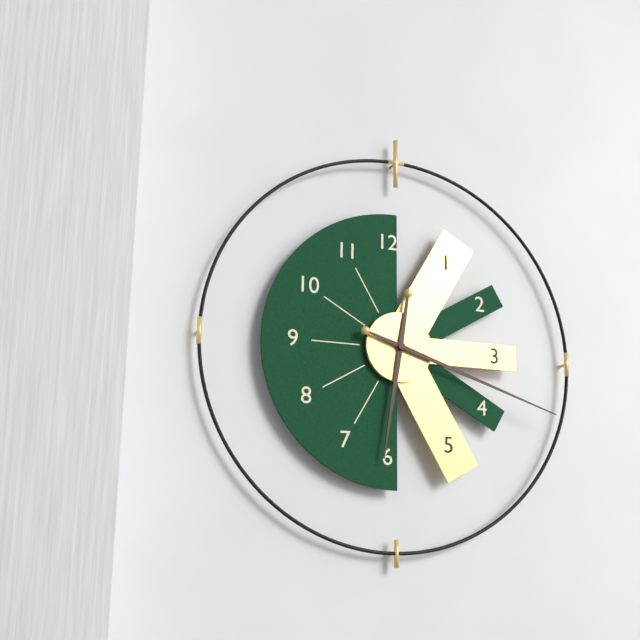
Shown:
6 h 18 min
